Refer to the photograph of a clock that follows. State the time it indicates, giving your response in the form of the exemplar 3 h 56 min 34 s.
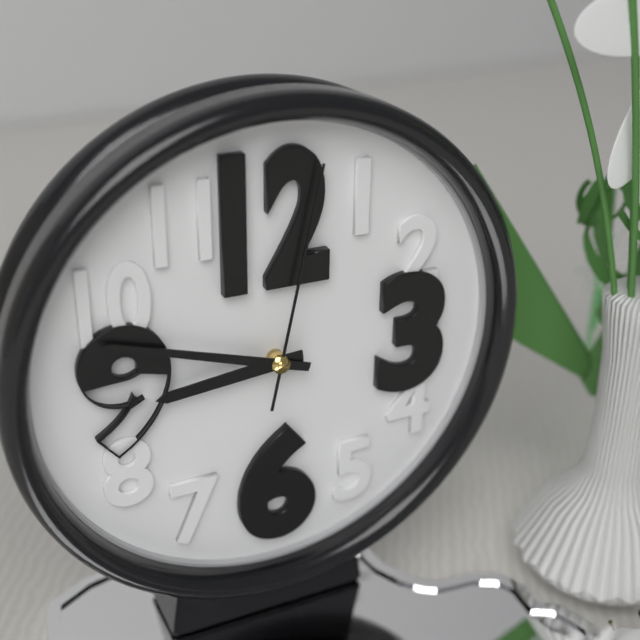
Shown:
8 h 48 min 02 s
